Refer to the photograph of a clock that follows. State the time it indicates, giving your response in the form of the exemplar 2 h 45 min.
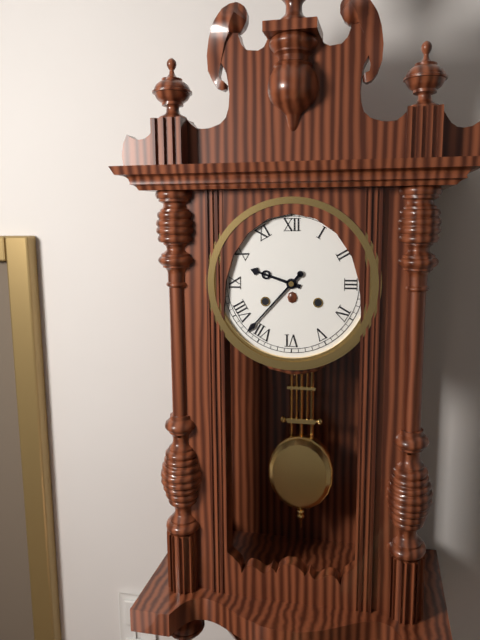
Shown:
9 h 37 min
